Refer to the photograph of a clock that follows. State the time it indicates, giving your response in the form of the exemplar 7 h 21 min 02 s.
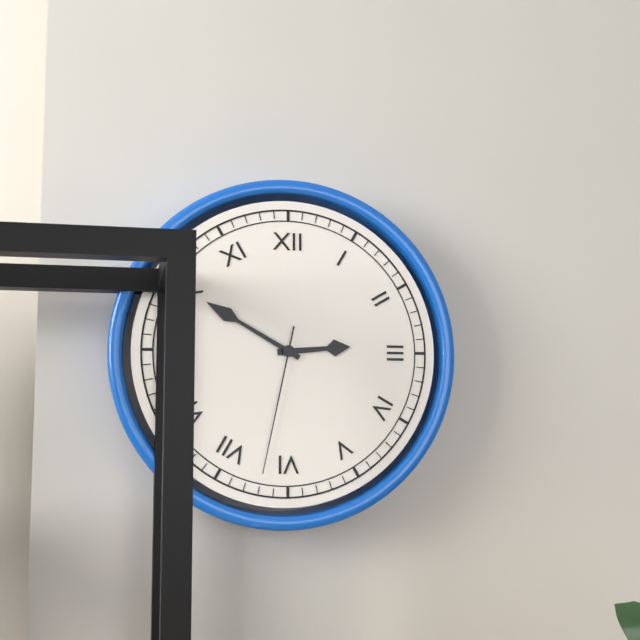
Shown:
2 h 50 min 32 s
